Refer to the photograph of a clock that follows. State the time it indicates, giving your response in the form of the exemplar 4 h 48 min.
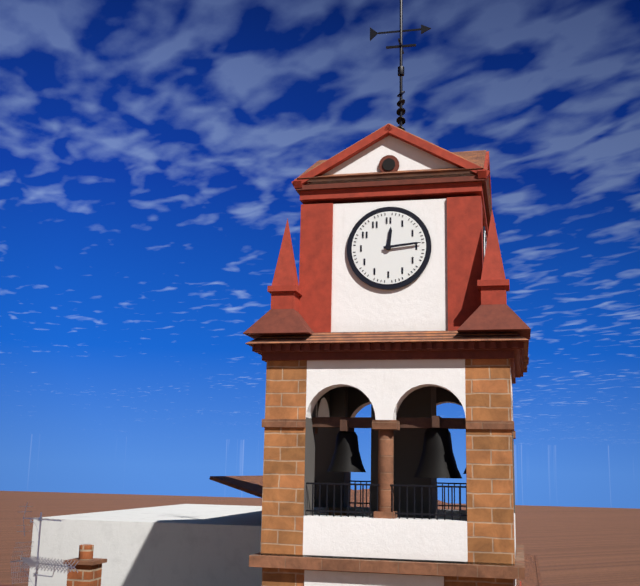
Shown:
12 h 14 min
